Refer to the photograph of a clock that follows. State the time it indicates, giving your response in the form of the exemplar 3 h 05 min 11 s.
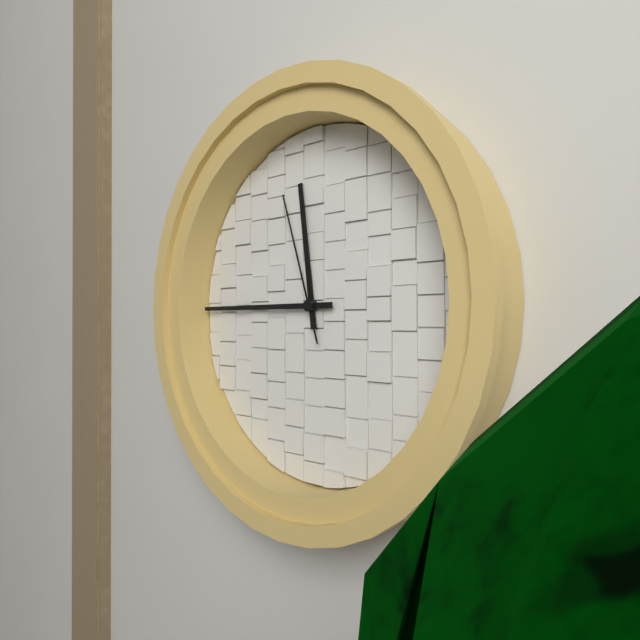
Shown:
11 h 45 min 57 s
